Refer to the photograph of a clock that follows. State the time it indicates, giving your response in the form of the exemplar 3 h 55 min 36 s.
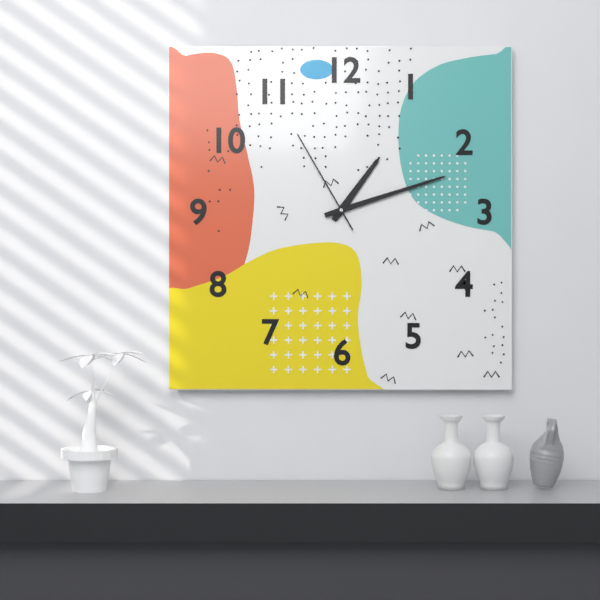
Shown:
1 h 12 min 55 s
